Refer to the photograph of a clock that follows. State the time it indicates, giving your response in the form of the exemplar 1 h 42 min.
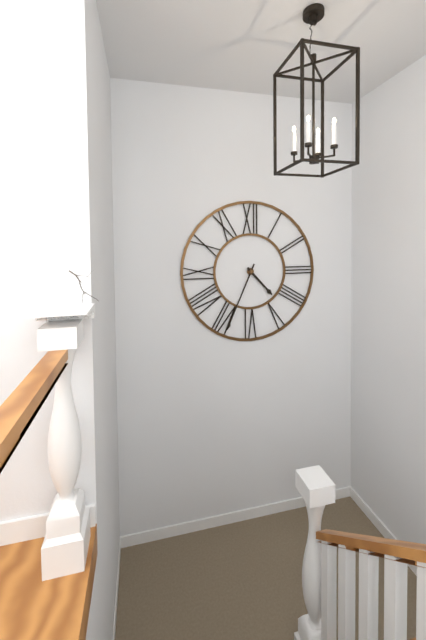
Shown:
4 h 34 min
